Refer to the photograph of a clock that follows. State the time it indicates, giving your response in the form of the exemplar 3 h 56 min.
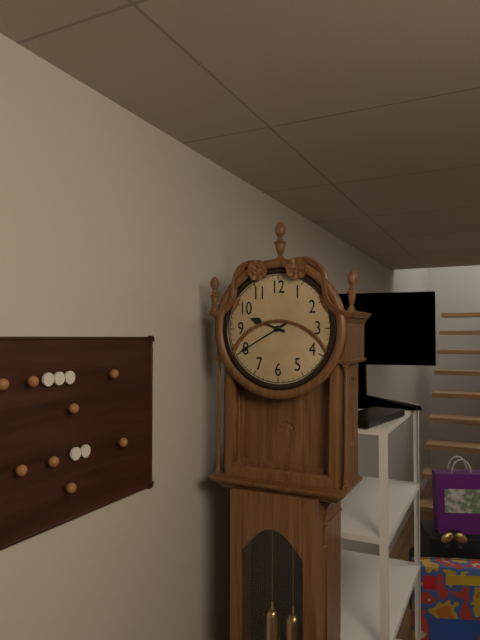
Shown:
9 h 40 min
